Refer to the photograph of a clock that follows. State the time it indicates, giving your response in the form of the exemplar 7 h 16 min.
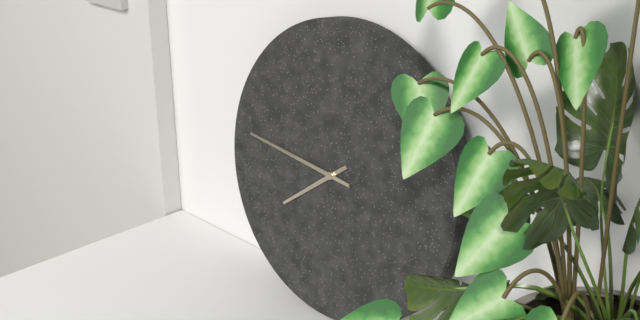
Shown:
7 h 46 min
